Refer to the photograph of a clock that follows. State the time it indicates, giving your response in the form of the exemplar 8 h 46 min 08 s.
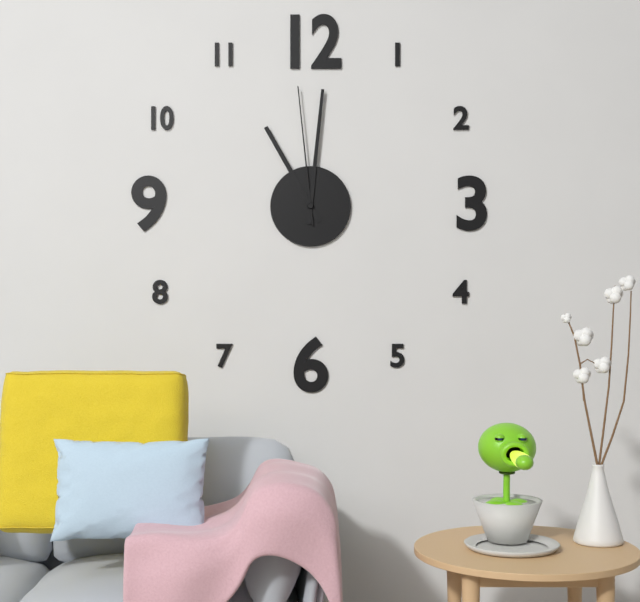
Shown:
11 h 01 min 59 s
